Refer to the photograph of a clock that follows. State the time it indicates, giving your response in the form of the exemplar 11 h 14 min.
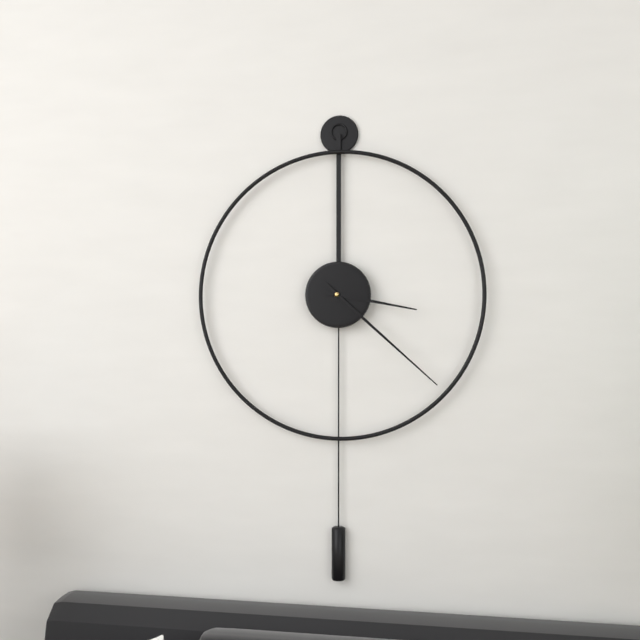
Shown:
3 h 22 min
